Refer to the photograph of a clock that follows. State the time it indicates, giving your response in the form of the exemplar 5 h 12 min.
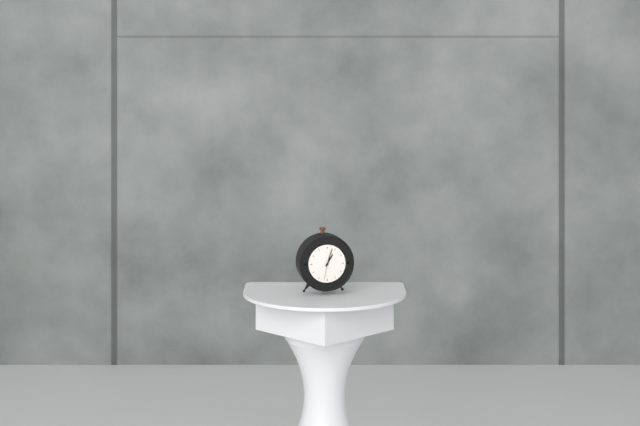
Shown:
1 h 03 min
